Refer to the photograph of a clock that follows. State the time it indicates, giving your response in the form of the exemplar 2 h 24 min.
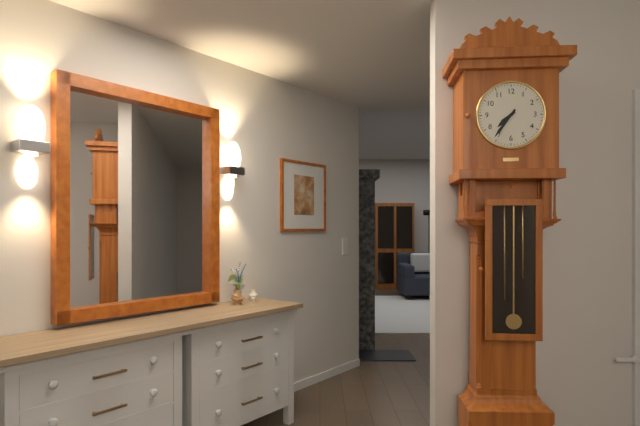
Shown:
7 h 36 min
